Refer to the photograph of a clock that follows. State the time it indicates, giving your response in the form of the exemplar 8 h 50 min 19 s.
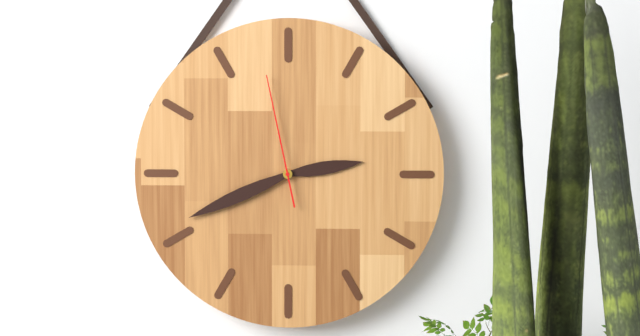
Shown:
2 h 41 min 58 s
